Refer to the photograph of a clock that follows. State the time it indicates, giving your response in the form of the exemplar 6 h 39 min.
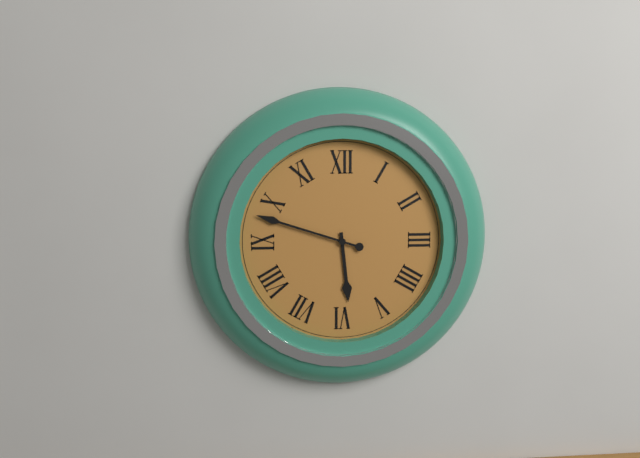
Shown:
5 h 48 min
